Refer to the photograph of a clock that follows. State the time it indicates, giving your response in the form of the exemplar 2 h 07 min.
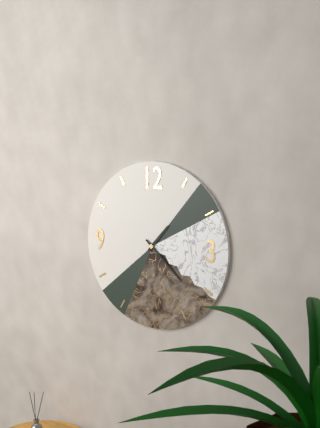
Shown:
1 h 22 min
